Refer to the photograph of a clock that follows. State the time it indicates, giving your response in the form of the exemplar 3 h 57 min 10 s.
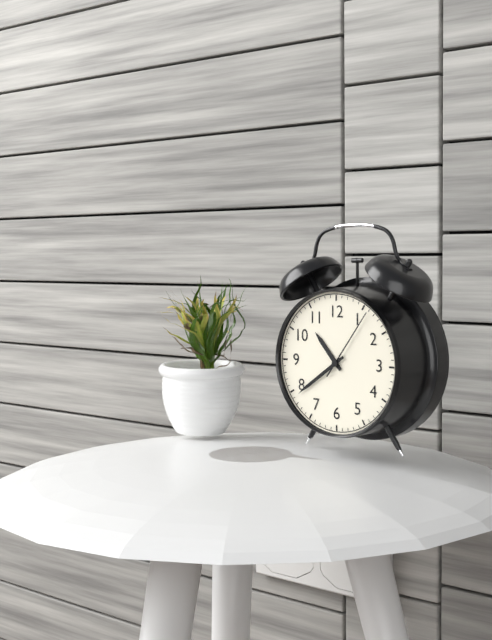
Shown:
10 h 39 min 06 s
